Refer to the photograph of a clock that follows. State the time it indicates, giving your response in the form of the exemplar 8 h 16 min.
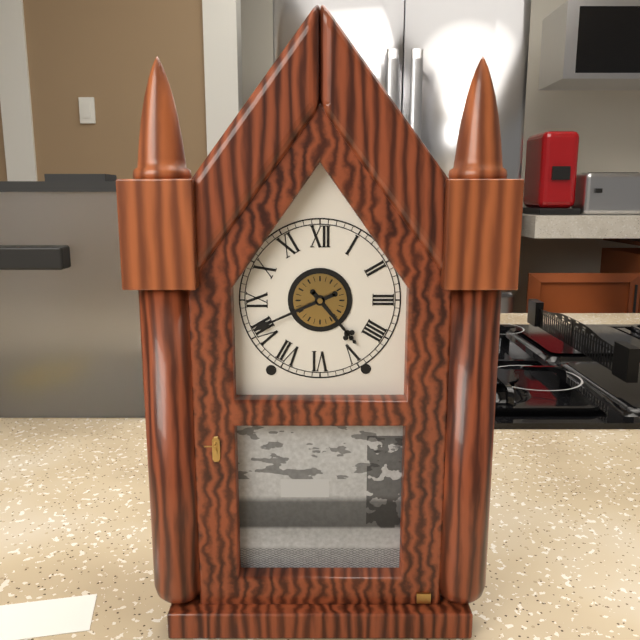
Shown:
4 h 41 min
